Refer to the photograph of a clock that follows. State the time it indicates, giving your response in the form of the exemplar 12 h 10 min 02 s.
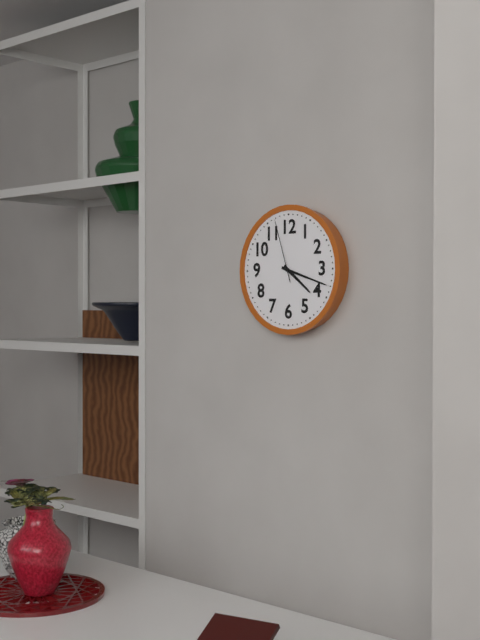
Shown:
4 h 18 min 57 s
